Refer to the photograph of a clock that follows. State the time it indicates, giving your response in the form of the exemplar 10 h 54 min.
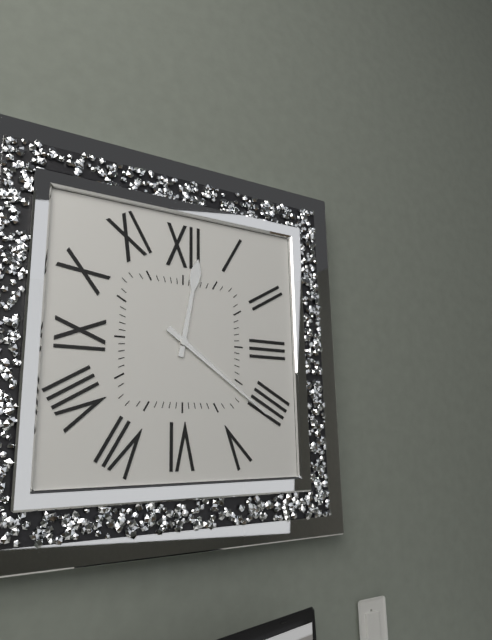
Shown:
12 h 21 min
